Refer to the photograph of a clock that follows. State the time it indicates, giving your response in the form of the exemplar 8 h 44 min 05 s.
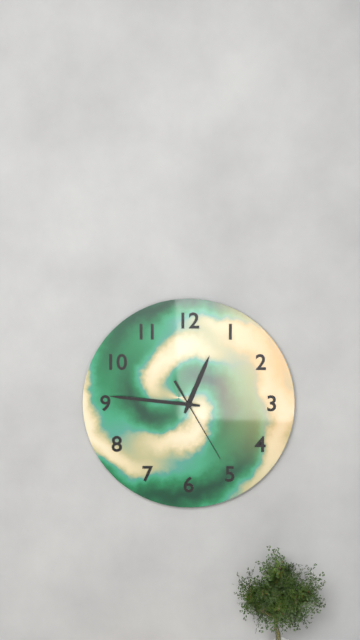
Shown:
12 h 46 min 25 s
